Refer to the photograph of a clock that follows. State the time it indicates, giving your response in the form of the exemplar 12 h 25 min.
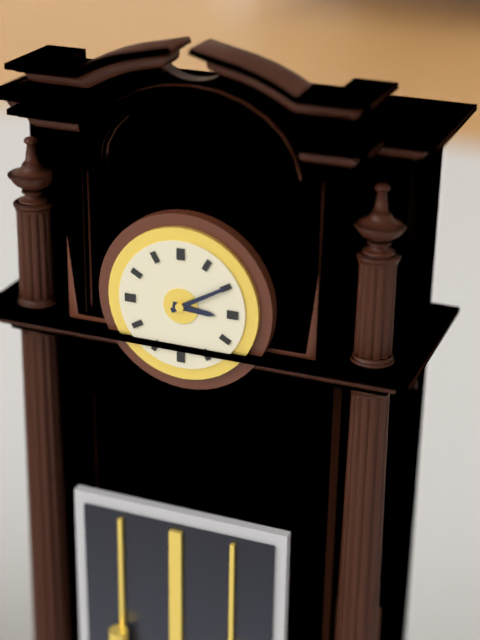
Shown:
3 h 10 min
